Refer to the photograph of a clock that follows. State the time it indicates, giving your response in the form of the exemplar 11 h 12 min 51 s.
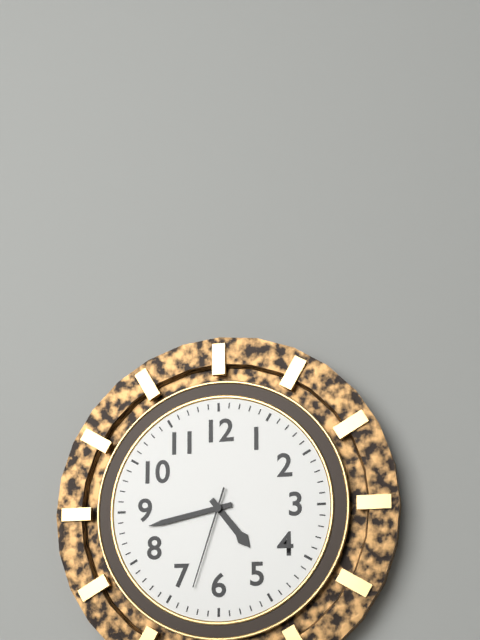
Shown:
4 h 43 min 33 s
